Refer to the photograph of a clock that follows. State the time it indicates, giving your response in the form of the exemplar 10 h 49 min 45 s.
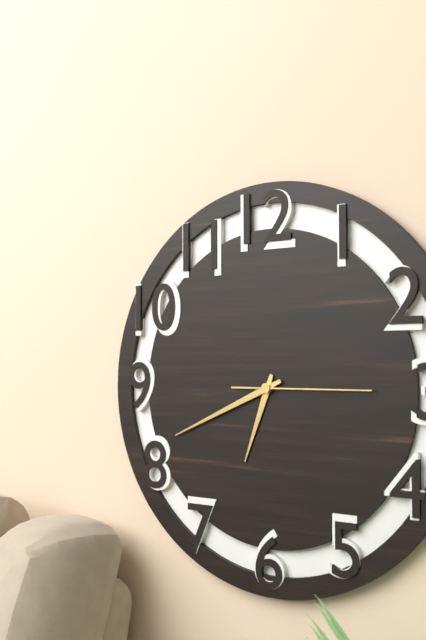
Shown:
6 h 41 min 15 s
